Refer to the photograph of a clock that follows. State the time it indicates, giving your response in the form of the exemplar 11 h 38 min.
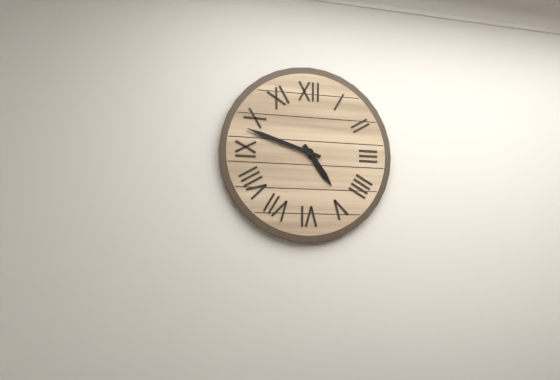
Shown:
4 h 48 min
